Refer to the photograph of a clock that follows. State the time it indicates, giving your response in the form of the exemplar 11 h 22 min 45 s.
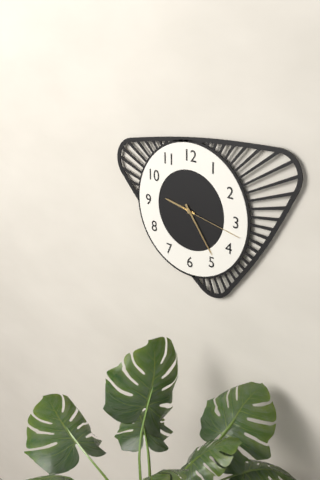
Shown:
9 h 24 min 17 s
